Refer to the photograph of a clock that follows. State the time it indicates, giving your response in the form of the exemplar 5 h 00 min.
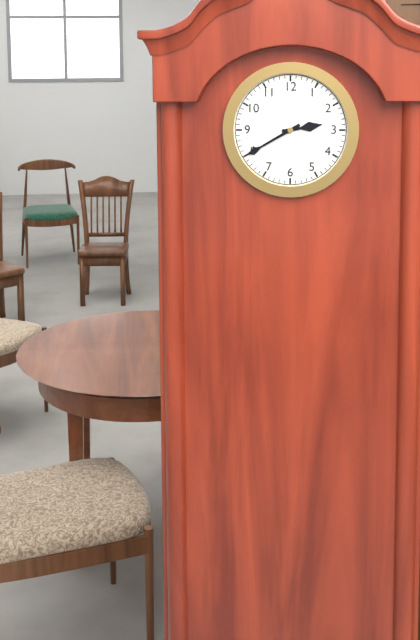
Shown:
2 h 40 min
